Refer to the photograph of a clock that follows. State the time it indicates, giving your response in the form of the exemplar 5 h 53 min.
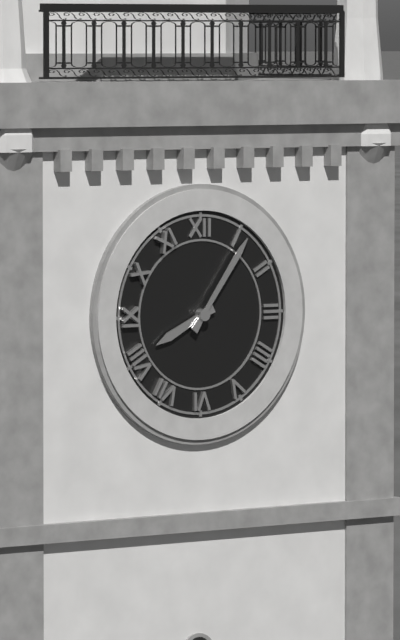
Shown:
8 h 06 min
